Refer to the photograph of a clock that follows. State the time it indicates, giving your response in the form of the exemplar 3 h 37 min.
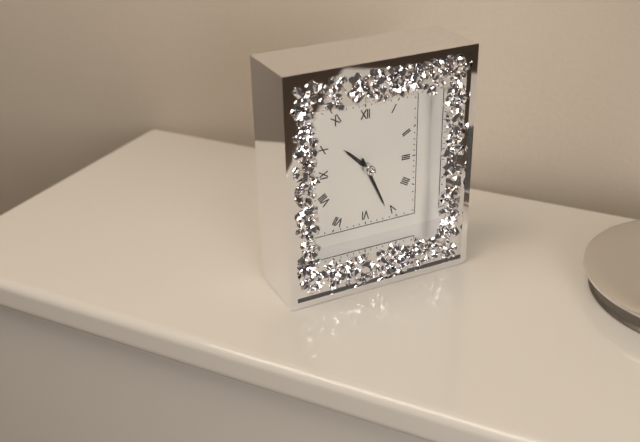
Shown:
10 h 26 min
